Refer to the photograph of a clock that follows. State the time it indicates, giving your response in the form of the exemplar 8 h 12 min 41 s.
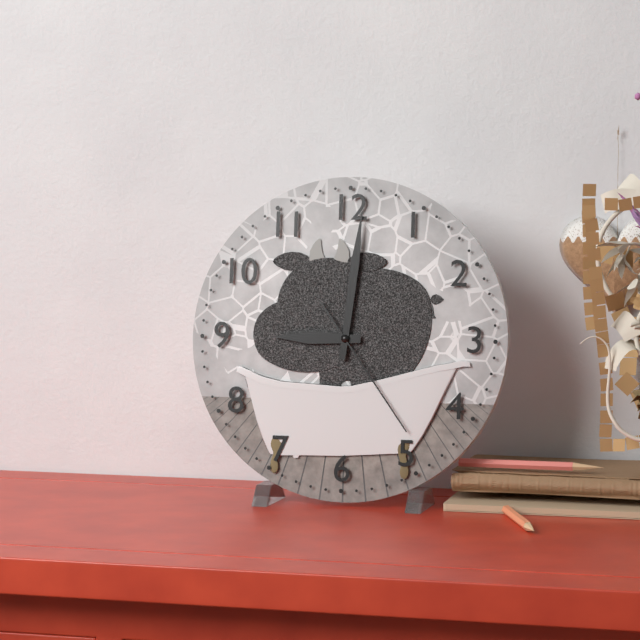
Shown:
9 h 01 min 24 s
